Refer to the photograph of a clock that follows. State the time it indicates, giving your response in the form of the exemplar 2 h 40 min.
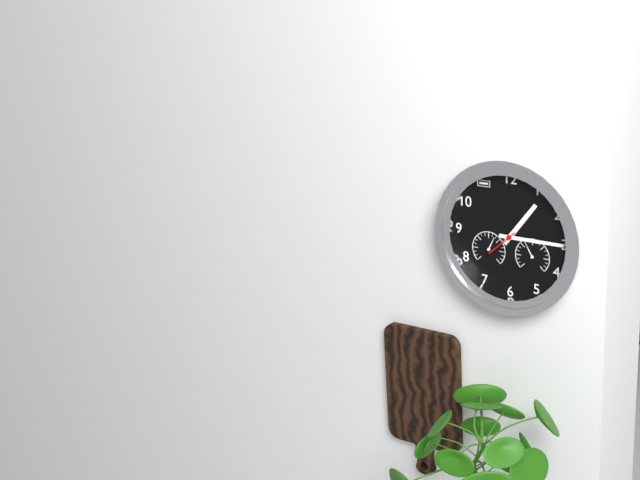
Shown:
1 h 15 min
